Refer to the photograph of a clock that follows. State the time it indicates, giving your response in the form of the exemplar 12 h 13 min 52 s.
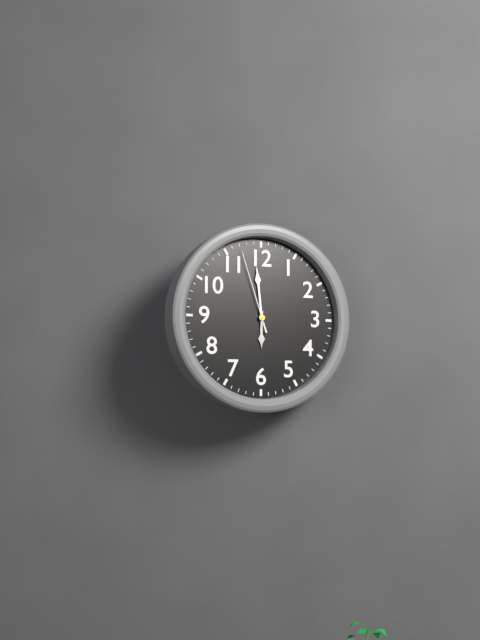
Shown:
5 h 59 min 57 s
